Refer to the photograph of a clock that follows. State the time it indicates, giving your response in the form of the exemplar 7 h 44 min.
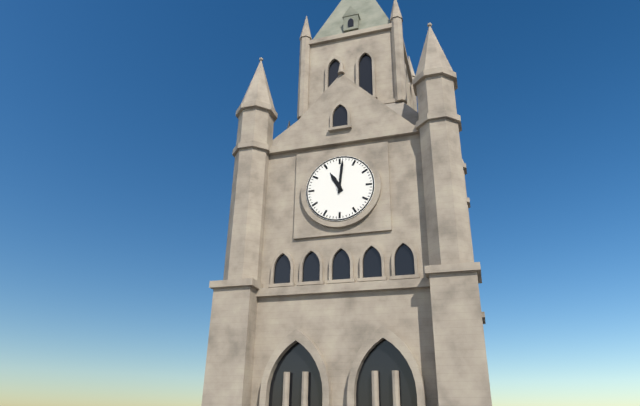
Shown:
11 h 01 min
